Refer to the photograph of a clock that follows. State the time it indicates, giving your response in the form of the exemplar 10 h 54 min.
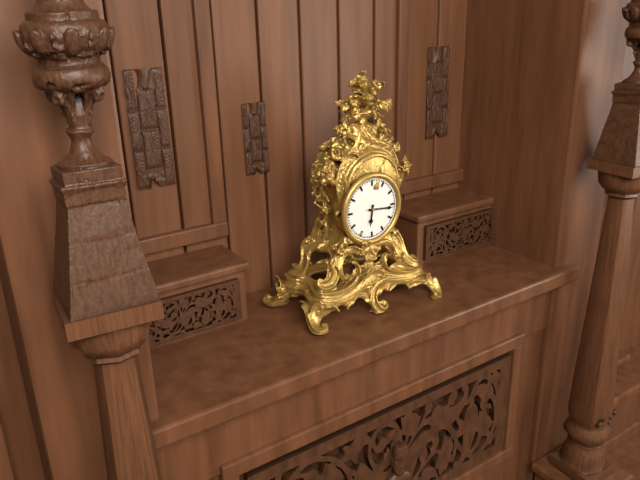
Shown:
6 h 16 min
